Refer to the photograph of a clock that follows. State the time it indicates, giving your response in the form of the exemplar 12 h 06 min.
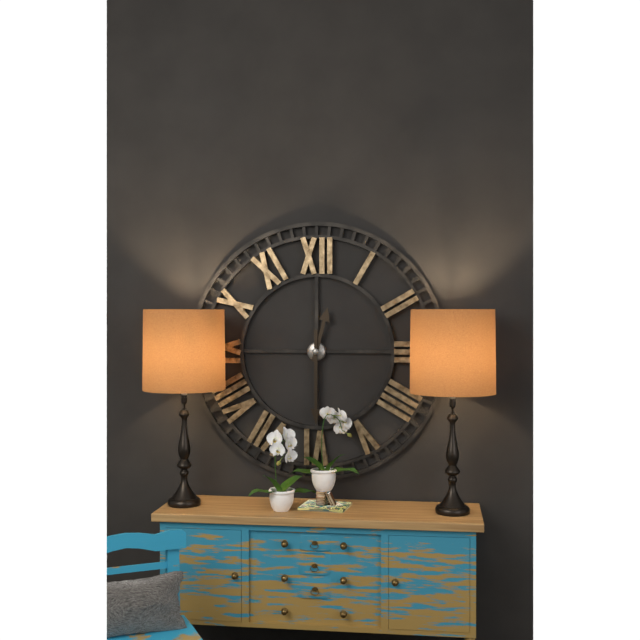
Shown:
12 h 30 min
